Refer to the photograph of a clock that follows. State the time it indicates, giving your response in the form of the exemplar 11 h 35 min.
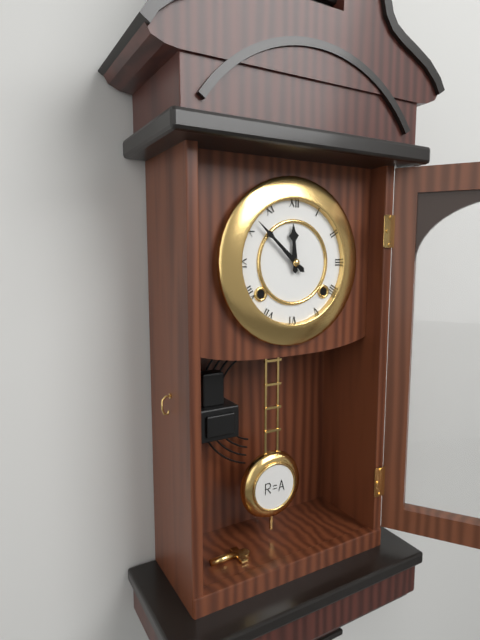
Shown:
11 h 52 min
